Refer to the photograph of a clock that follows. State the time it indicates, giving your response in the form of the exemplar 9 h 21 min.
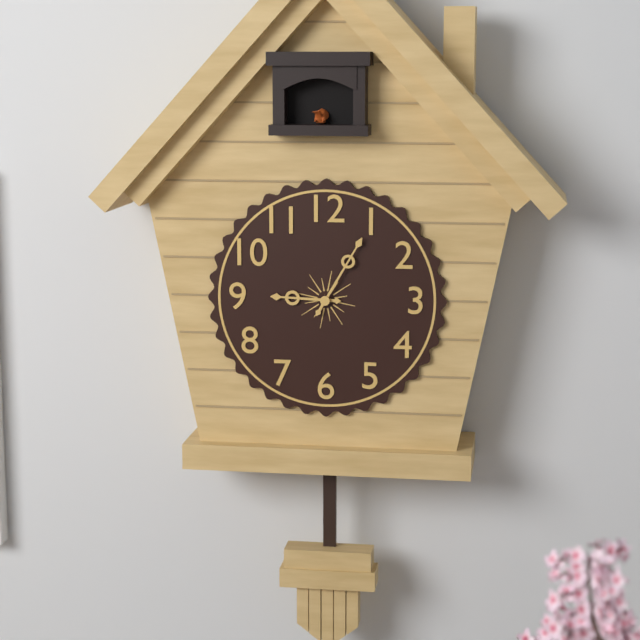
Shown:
9 h 05 min
